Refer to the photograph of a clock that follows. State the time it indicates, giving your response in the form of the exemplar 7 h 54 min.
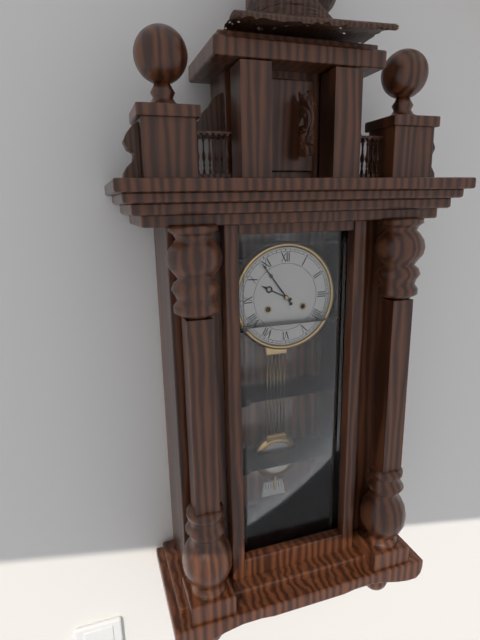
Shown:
9 h 54 min
